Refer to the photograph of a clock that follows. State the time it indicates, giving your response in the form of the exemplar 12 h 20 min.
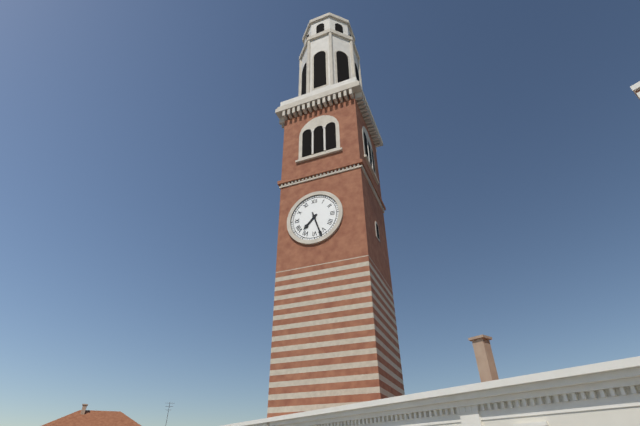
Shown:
7 h 27 min
